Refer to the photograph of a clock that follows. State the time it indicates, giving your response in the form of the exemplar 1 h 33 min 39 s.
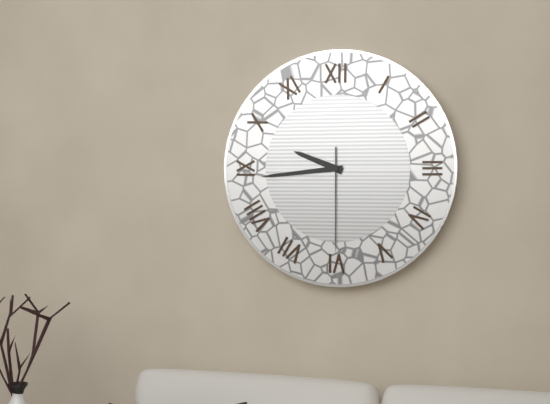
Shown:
9 h 44 min 30 s
